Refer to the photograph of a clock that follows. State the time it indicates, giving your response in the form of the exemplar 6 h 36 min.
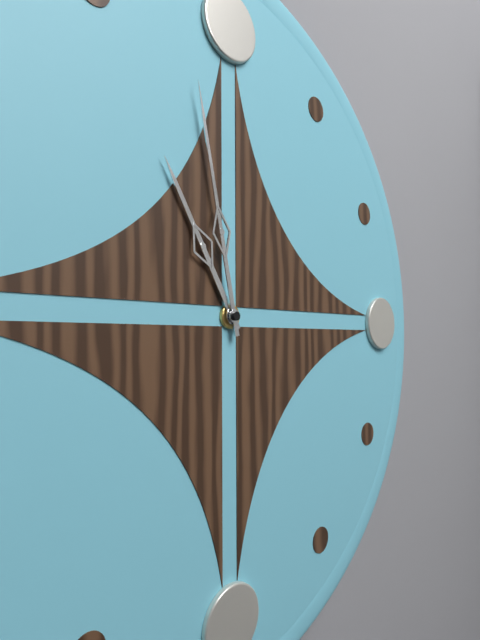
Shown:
10 h 58 min
